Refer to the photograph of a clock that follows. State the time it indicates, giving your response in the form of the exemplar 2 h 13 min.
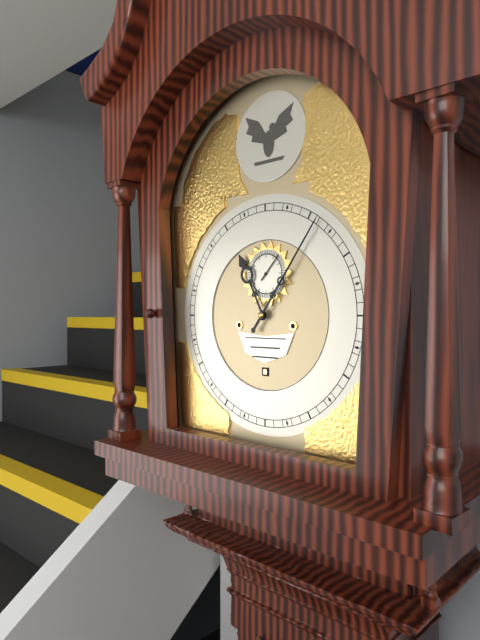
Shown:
11 h 06 min
